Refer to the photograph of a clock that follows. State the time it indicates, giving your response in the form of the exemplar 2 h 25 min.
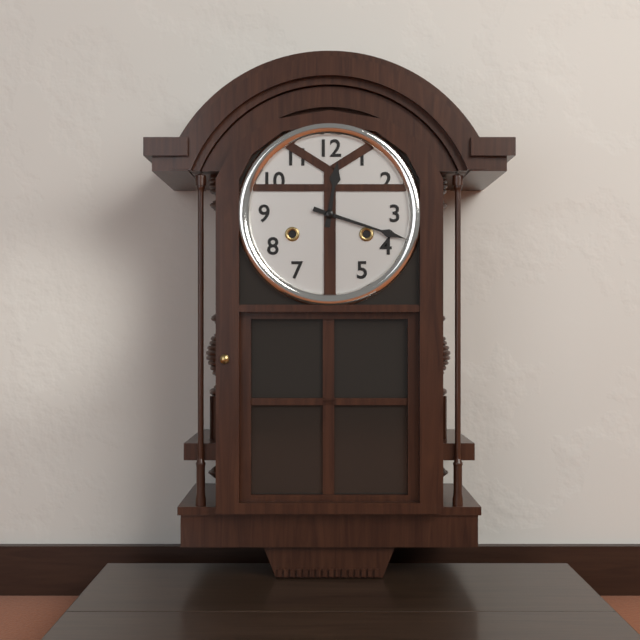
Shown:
12 h 18 min
